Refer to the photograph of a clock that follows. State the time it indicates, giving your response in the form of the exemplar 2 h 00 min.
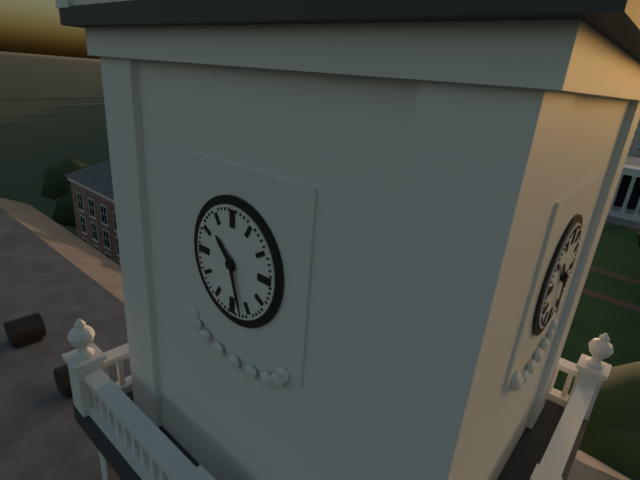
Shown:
10 h 27 min
